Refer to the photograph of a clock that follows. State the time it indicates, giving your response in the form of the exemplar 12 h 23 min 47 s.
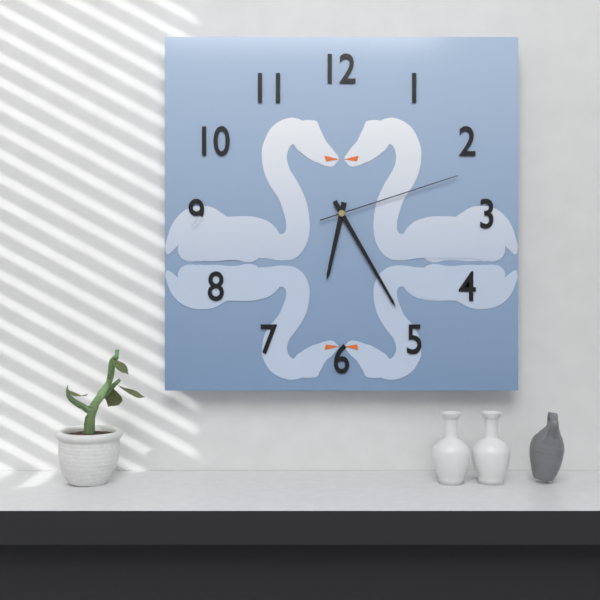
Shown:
6 h 25 min 12 s
